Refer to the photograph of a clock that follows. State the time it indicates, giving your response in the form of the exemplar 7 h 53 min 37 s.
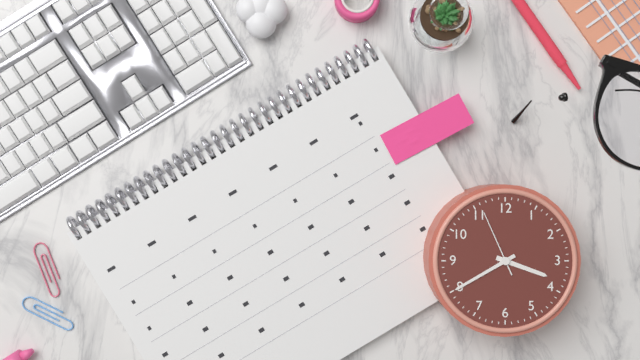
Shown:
3 h 40 min 56 s
